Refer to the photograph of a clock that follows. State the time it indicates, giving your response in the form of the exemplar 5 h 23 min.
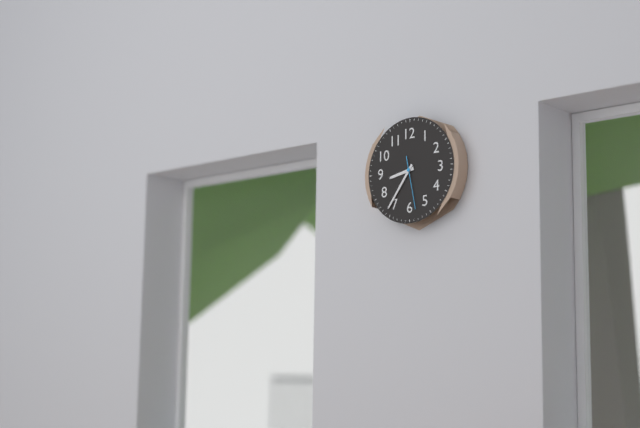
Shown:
8 h 36 min
